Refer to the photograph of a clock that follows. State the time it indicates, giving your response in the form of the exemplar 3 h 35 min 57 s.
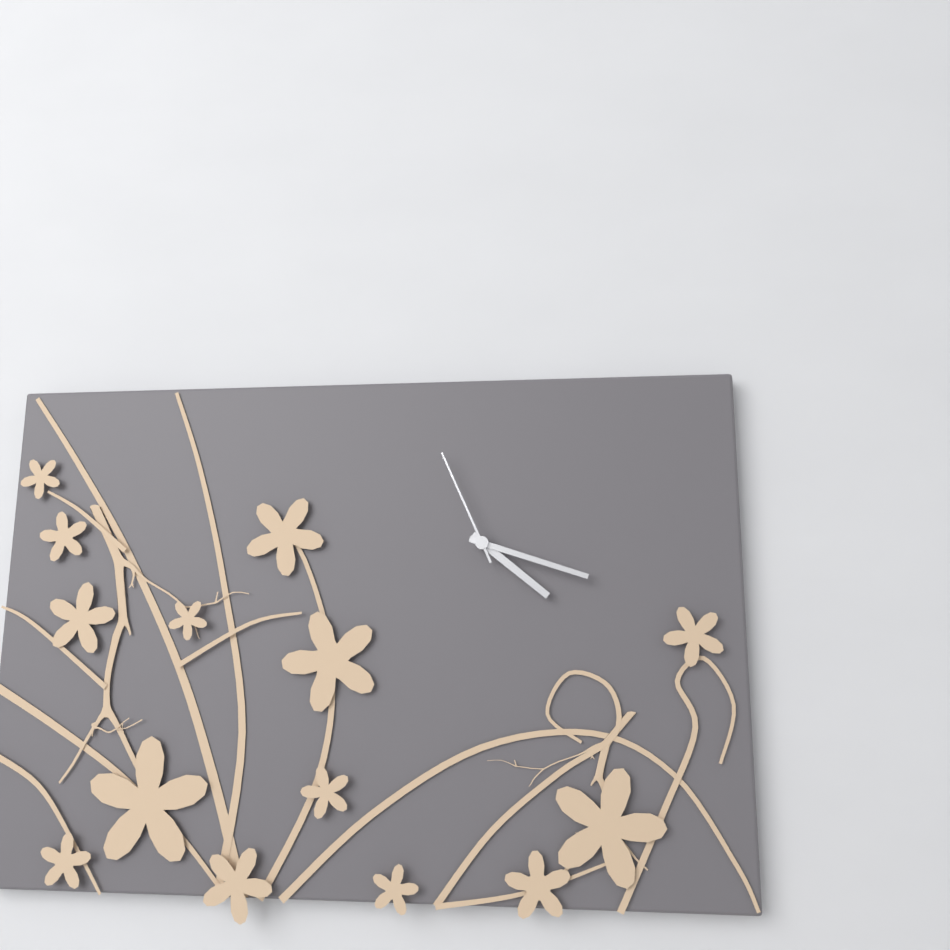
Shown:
4 h 18 min 56 s
